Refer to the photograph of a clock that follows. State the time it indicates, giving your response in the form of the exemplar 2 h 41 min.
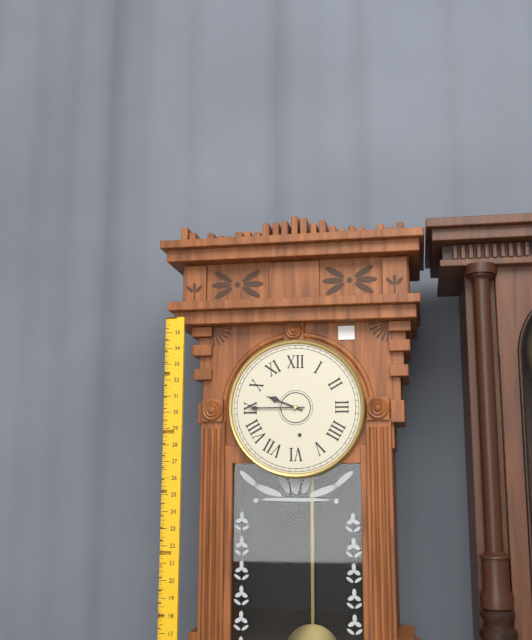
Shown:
9 h 45 min
